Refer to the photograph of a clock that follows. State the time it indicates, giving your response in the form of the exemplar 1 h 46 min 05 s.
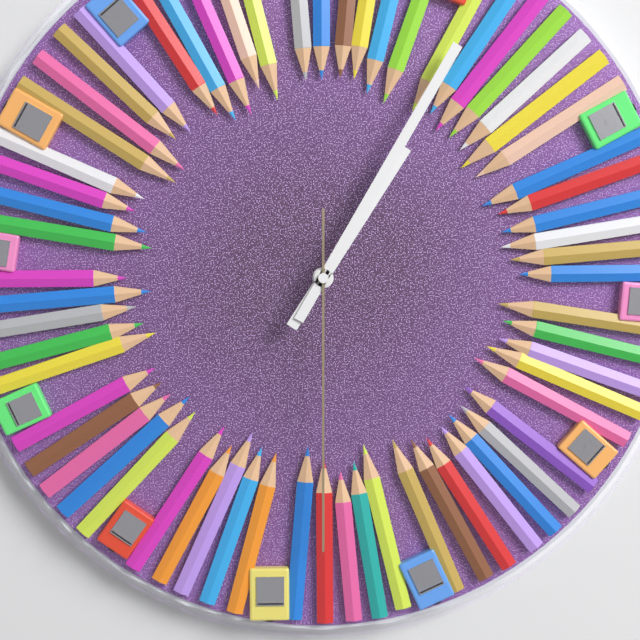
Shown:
1 h 05 min 30 s
